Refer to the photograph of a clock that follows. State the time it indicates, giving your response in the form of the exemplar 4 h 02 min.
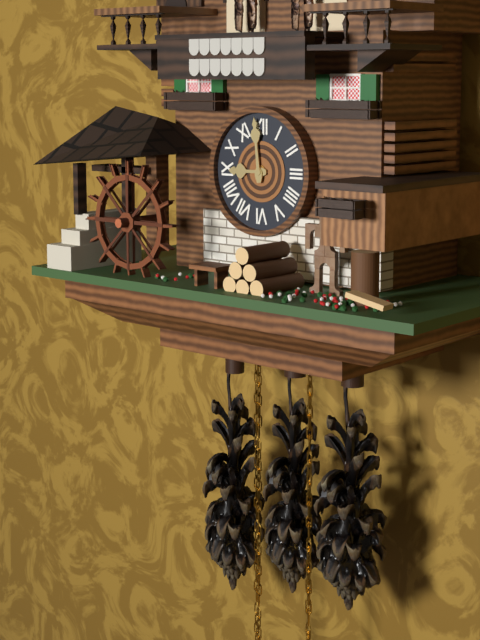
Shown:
8 h 59 min
